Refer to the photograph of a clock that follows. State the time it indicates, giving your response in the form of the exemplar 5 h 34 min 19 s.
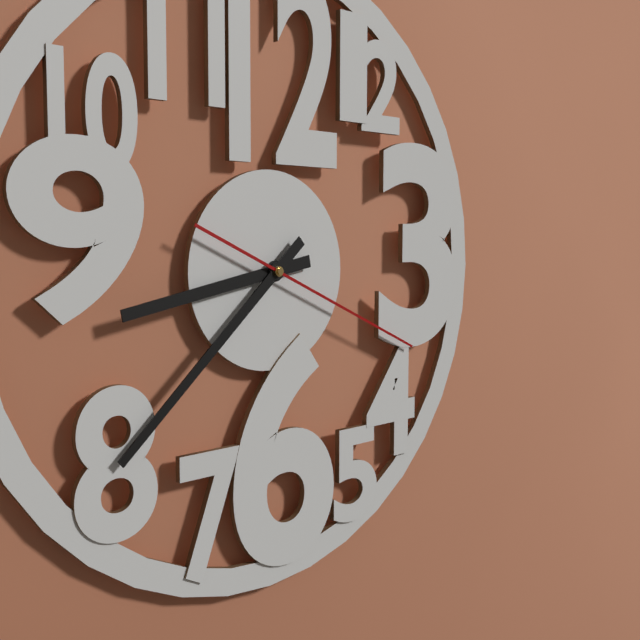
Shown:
8 h 38 min 19 s
